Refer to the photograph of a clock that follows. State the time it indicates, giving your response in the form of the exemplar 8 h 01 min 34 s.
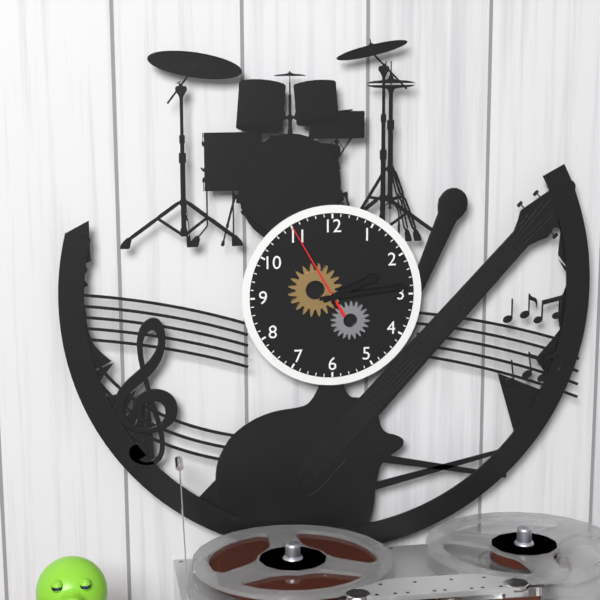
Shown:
2 h 14 min 55 s
